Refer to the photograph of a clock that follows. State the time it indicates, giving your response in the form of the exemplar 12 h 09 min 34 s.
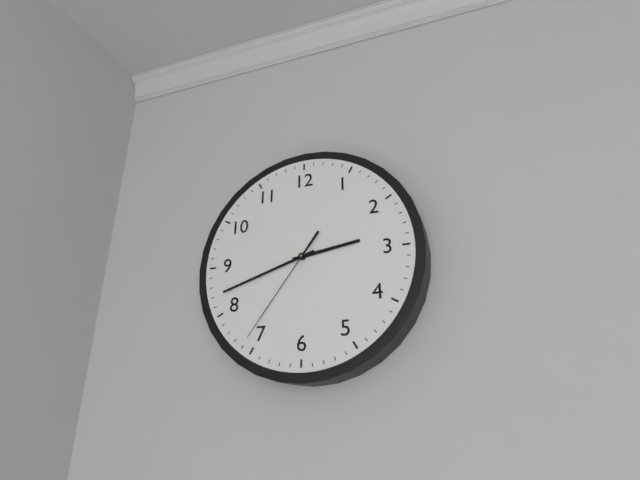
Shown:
2 h 42 min 36 s
